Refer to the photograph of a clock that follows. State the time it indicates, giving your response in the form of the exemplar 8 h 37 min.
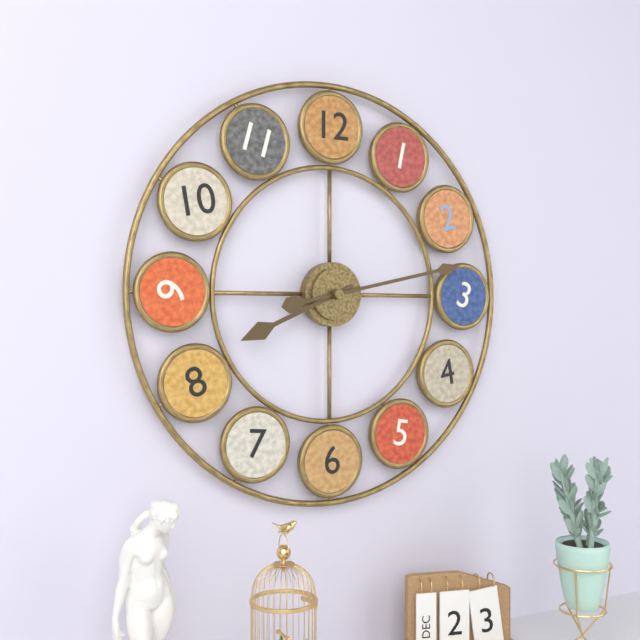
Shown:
8 h 13 min
